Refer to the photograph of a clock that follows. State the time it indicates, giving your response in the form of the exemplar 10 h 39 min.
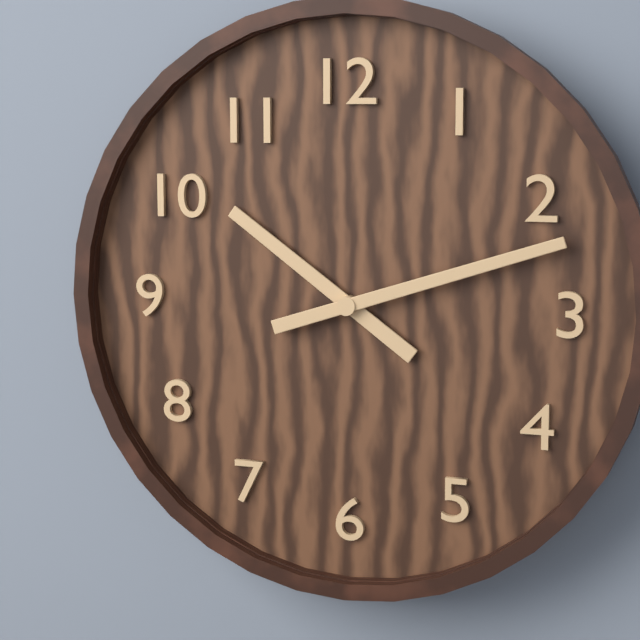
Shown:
10 h 12 min
